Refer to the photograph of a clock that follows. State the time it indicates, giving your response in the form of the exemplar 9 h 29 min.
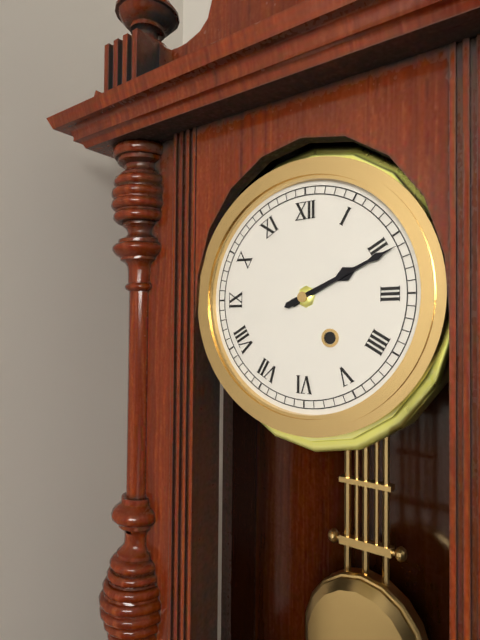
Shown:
2 h 11 min
